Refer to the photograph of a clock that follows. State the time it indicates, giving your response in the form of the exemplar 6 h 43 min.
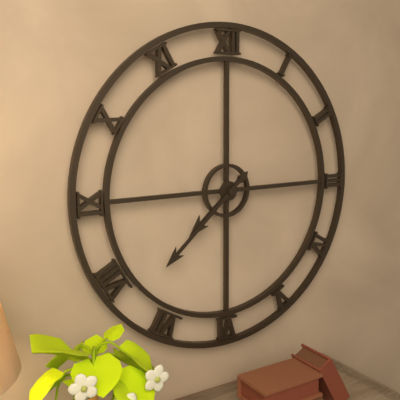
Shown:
7 h 38 min
